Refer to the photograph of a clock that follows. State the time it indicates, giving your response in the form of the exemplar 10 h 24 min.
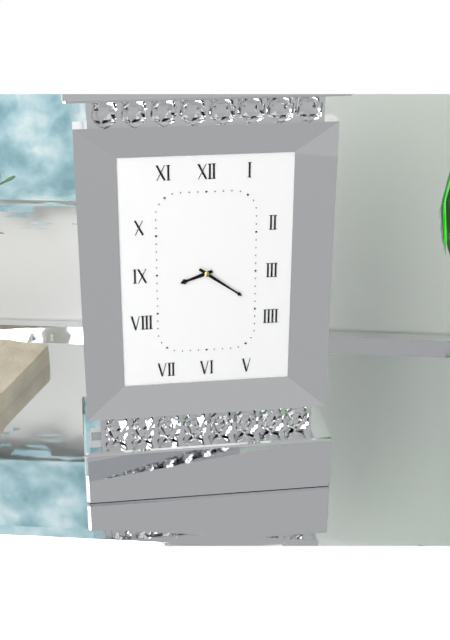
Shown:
8 h 21 min
